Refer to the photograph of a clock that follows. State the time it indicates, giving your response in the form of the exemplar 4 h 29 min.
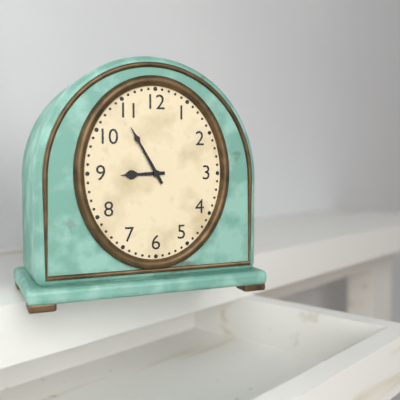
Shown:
8 h 55 min
